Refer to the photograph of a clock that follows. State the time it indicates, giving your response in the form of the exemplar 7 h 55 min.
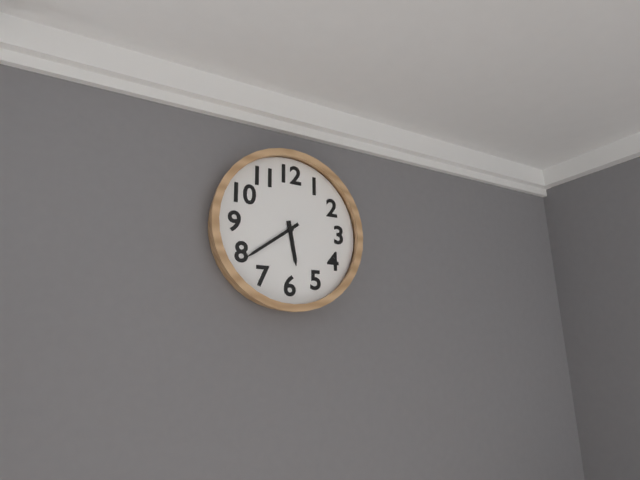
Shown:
5 h 39 min
